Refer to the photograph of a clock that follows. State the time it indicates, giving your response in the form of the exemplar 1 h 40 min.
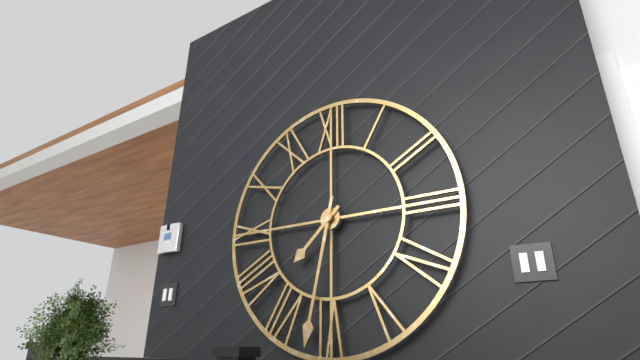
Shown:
7 h 32 min
